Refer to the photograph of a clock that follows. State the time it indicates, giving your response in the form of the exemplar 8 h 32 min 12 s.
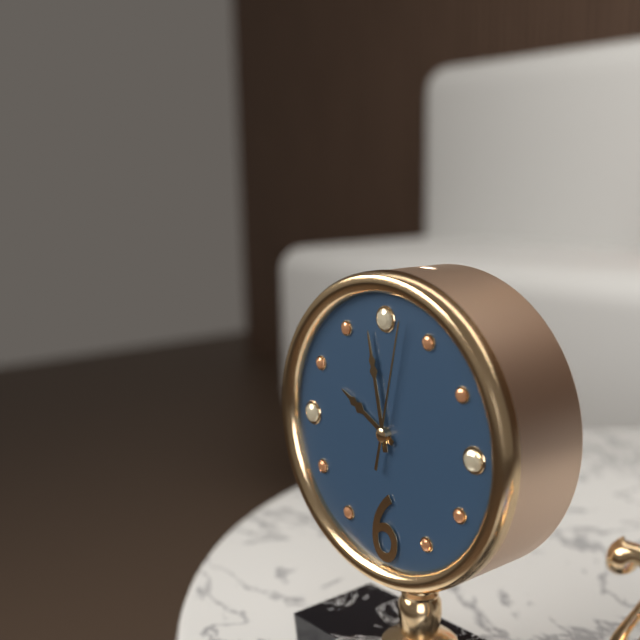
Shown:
9 h 58 min 02 s
